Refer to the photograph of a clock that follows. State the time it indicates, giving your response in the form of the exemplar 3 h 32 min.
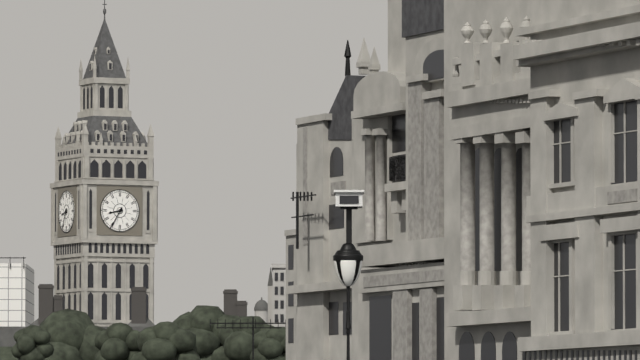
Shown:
8 h 35 min
